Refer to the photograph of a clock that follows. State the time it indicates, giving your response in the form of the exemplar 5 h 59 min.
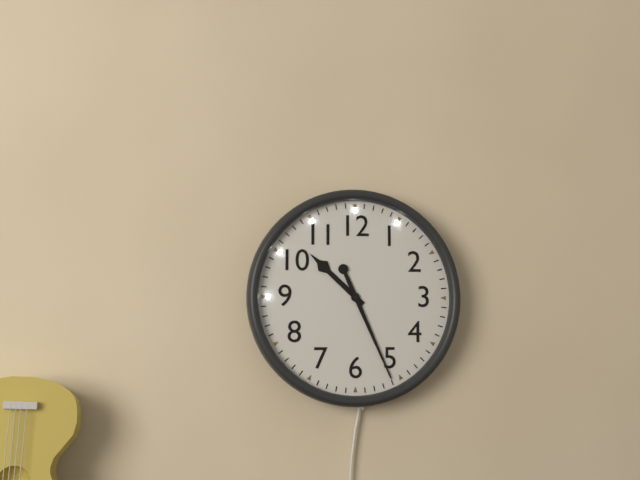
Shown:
10 h 26 min
